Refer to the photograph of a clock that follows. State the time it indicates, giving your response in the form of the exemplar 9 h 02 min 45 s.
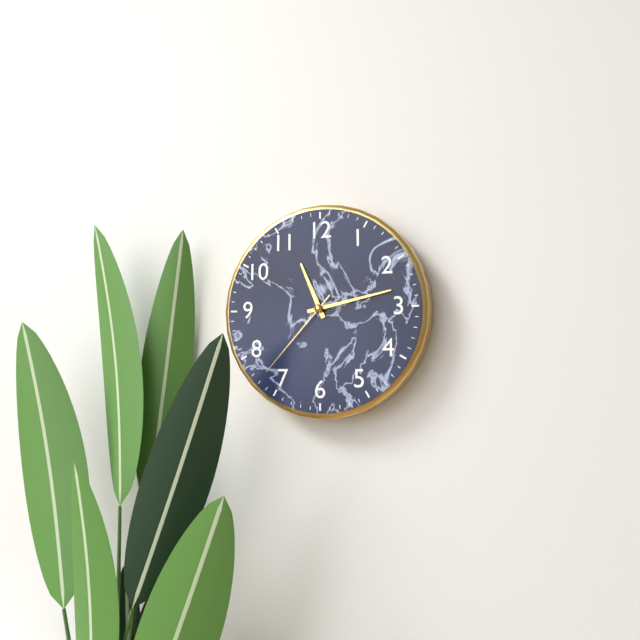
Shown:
11 h 13 min 37 s
